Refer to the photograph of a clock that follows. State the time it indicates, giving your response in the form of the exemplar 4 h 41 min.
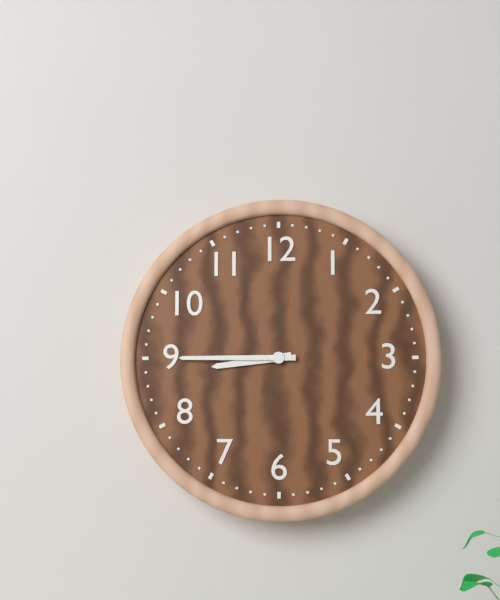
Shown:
8 h 45 min
